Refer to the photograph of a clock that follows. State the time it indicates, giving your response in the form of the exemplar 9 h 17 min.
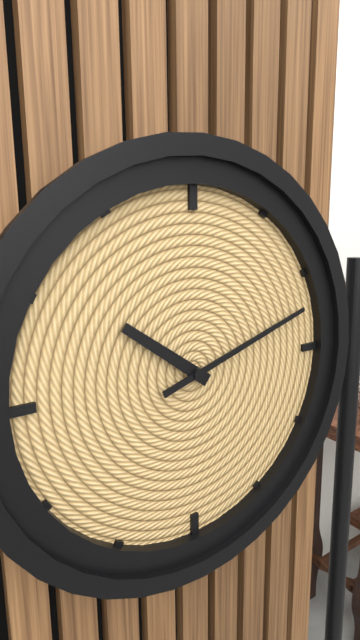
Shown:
10 h 12 min
